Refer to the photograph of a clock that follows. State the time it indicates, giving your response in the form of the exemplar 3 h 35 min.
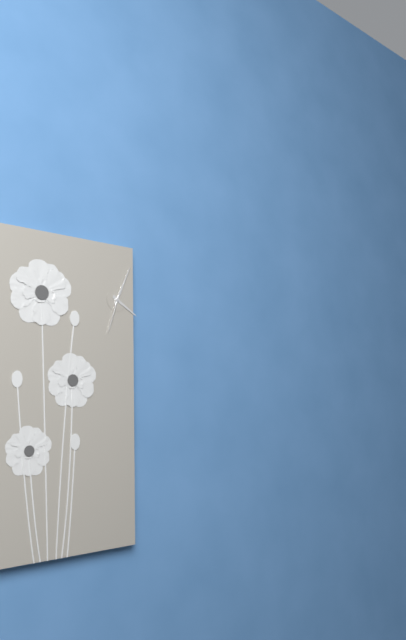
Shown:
4 h 04 min
